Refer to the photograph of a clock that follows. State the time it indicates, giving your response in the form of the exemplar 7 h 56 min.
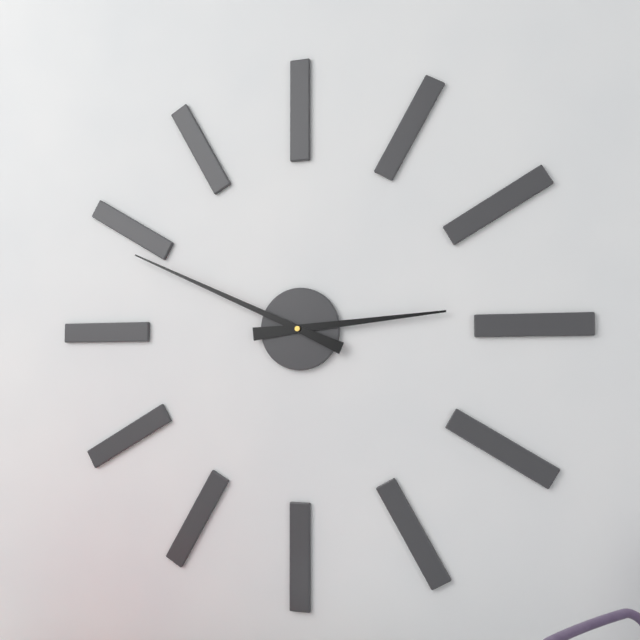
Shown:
2 h 49 min
